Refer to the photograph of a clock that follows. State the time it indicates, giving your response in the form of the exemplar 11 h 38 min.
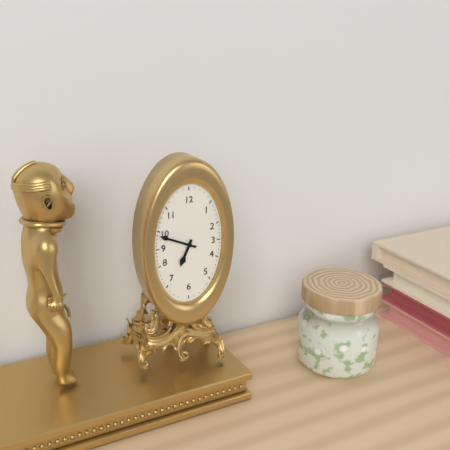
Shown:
6 h 49 min
